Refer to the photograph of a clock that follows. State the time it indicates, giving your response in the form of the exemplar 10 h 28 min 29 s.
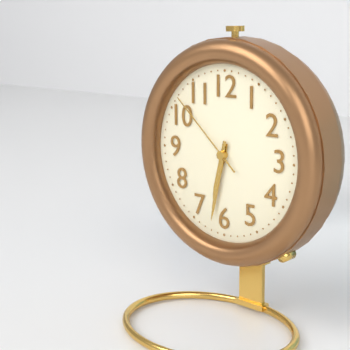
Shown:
6 h 32 min 52 s
